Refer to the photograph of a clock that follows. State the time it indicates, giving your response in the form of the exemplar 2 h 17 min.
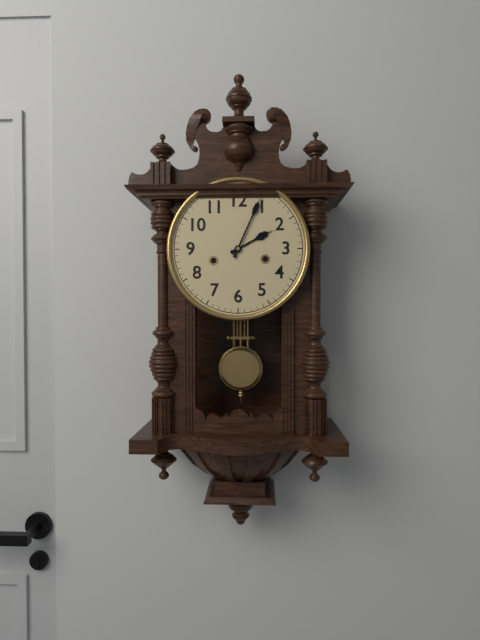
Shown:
2 h 04 min
